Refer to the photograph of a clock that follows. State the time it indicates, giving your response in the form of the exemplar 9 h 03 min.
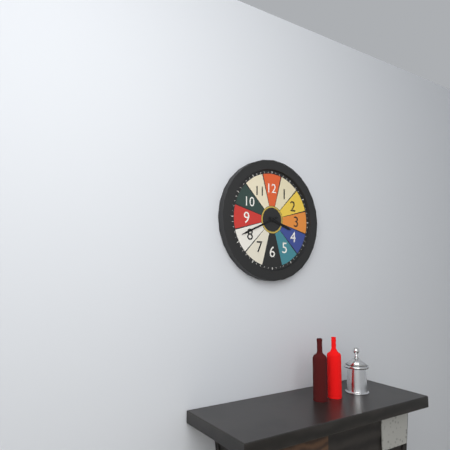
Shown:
3 h 41 min
